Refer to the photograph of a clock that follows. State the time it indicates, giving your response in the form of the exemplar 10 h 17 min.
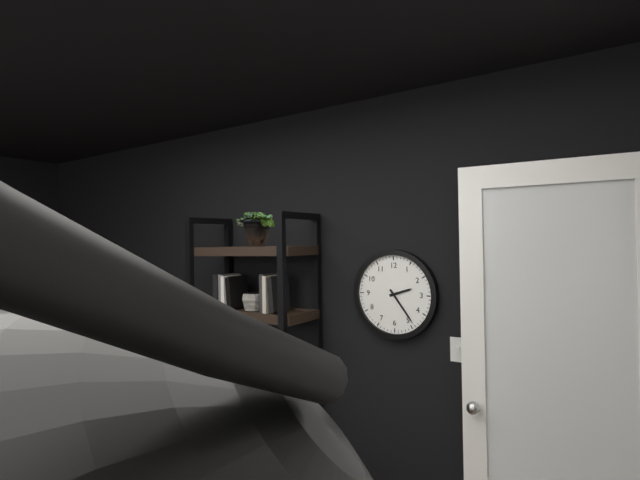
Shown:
2 h 24 min
